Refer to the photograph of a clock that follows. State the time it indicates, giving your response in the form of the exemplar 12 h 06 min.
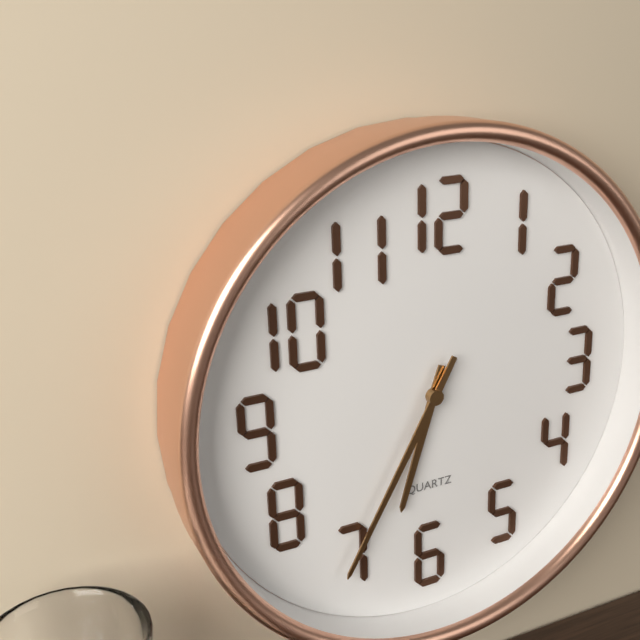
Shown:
6 h 35 min
